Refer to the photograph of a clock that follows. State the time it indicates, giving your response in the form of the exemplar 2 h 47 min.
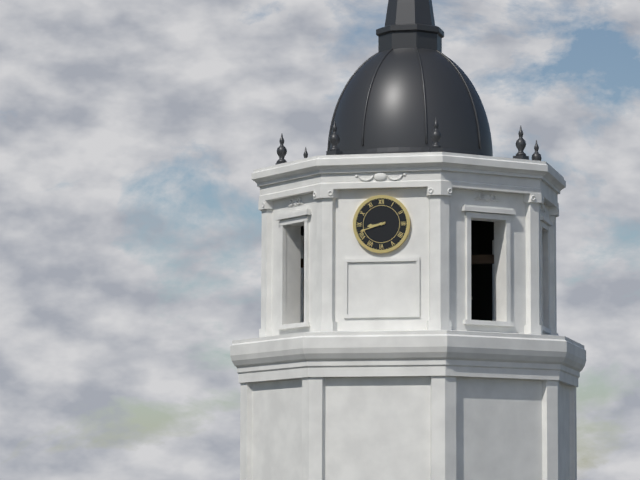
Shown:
8 h 42 min
